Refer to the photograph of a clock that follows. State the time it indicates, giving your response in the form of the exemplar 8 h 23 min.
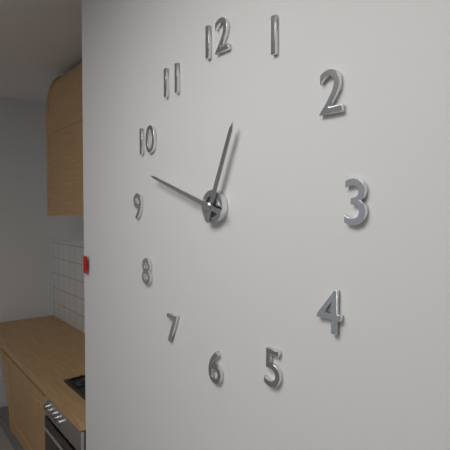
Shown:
12 h 48 min
